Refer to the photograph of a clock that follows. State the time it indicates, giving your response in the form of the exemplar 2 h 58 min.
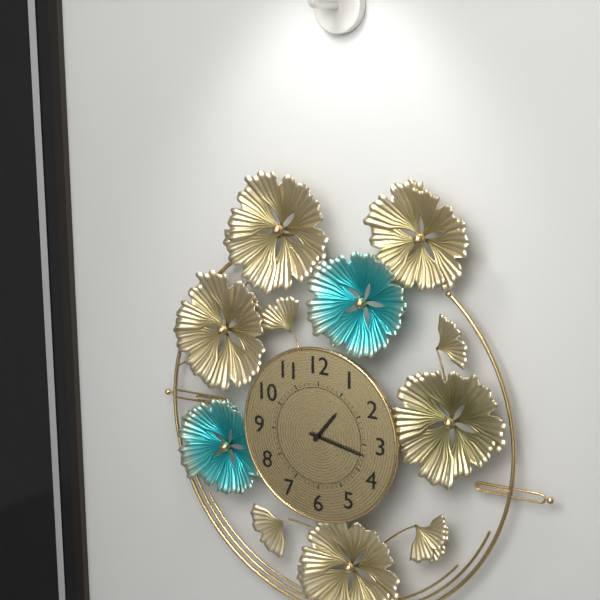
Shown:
1 h 17 min
